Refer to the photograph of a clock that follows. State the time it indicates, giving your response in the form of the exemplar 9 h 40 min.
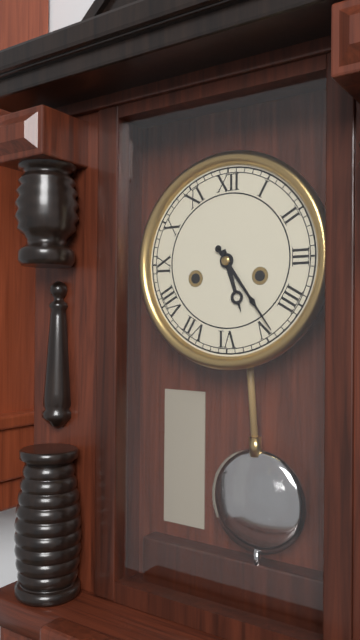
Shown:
5 h 24 min
